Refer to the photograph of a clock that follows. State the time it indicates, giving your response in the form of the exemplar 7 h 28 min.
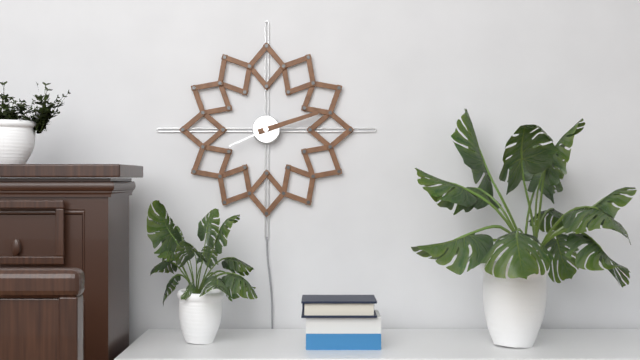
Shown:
8 h 12 min
